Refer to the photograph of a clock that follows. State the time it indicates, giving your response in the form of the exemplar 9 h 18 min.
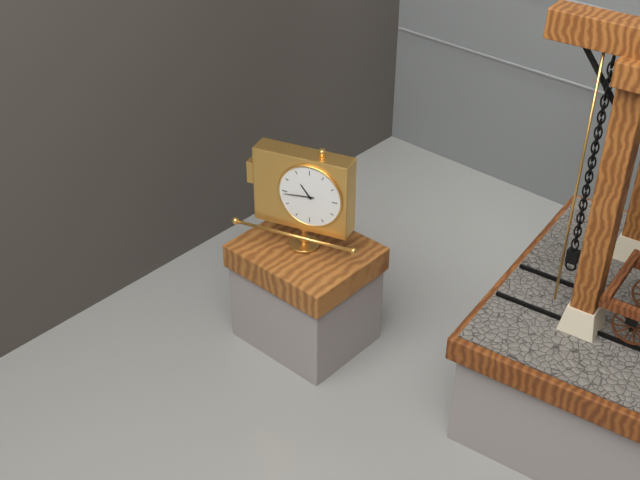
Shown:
10 h 44 min
